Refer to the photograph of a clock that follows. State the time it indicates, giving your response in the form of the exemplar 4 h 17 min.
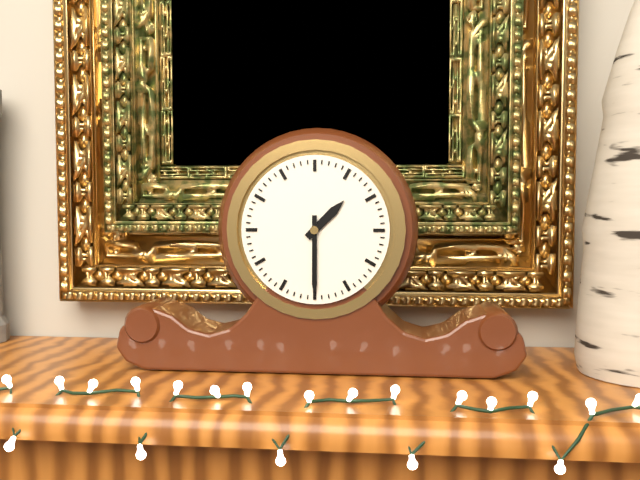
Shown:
1 h 30 min
